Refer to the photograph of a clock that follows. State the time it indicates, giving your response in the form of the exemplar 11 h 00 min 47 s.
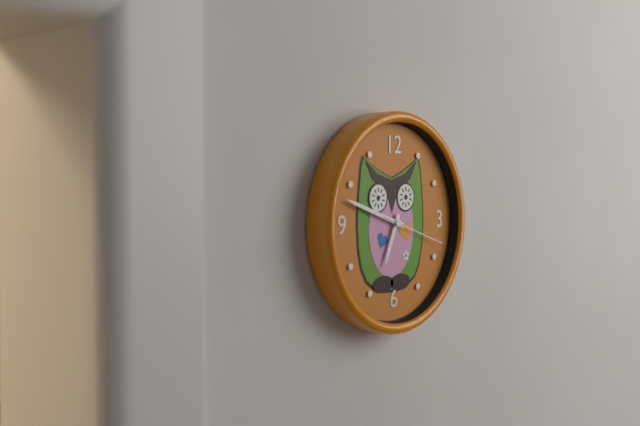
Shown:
6 h 48 min 18 s
